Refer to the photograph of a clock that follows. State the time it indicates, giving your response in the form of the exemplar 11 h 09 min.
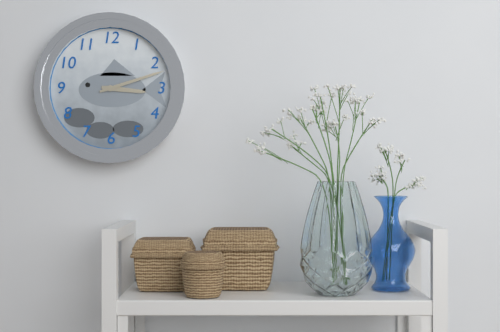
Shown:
3 h 12 min
